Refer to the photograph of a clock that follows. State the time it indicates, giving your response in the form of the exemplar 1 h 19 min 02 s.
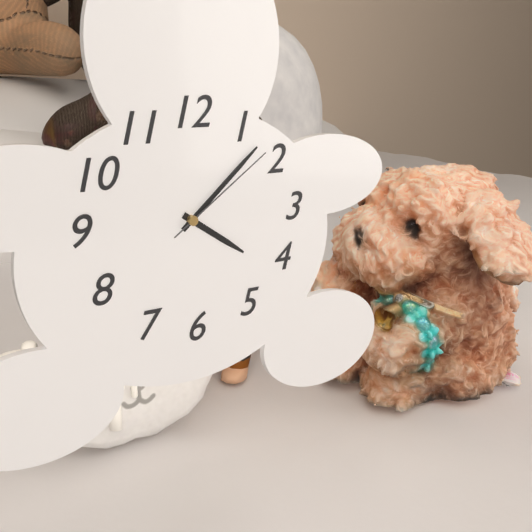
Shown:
4 h 08 min 09 s
